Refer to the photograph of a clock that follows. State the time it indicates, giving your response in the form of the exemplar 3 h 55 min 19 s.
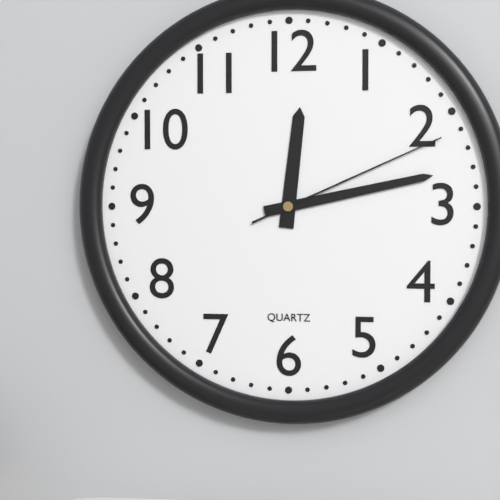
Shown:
12 h 13 min 11 s
